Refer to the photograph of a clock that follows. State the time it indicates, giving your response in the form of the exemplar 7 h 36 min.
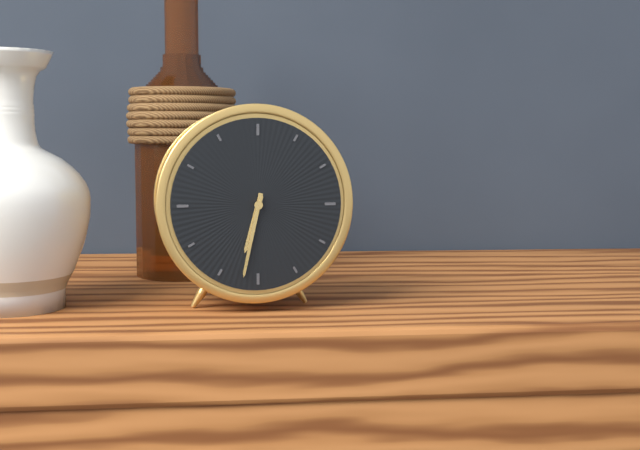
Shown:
6 h 32 min
